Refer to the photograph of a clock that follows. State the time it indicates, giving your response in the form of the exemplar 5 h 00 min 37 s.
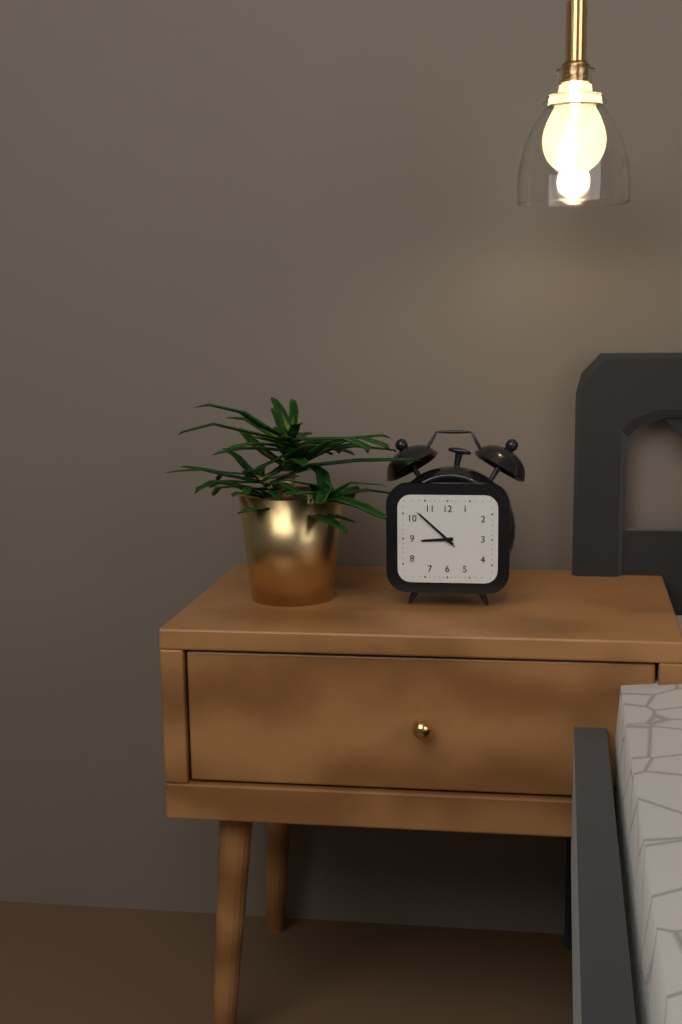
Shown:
8 h 52 min 52 s
